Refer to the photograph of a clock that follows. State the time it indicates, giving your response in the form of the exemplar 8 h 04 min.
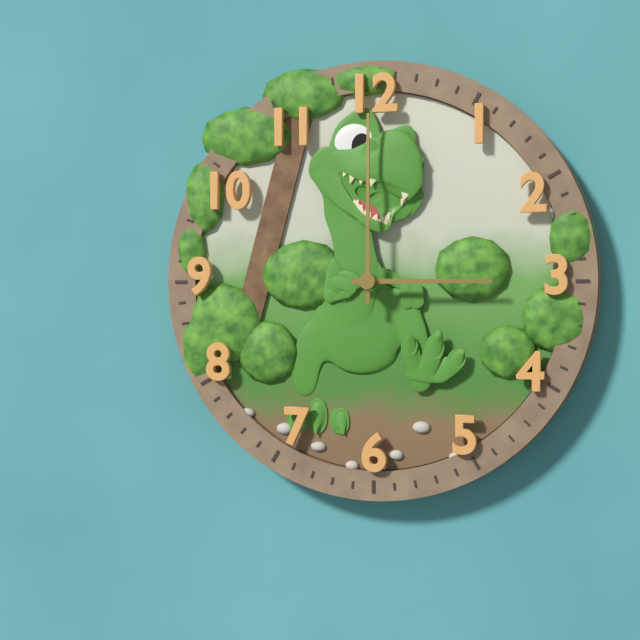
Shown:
3 h 00 min
